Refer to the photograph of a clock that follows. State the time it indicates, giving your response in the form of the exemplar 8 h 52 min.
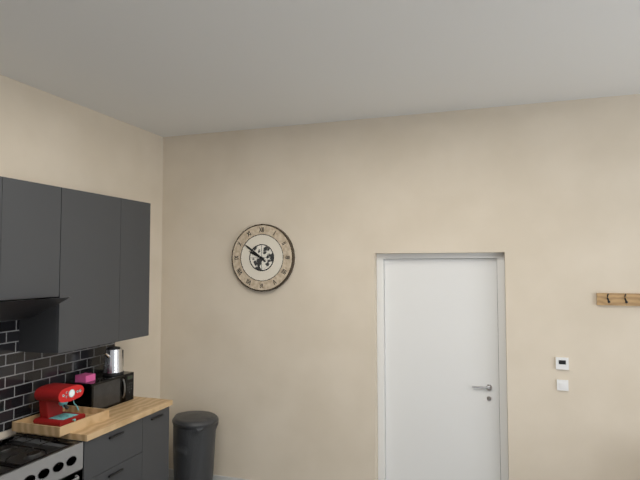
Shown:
9 h 51 min
